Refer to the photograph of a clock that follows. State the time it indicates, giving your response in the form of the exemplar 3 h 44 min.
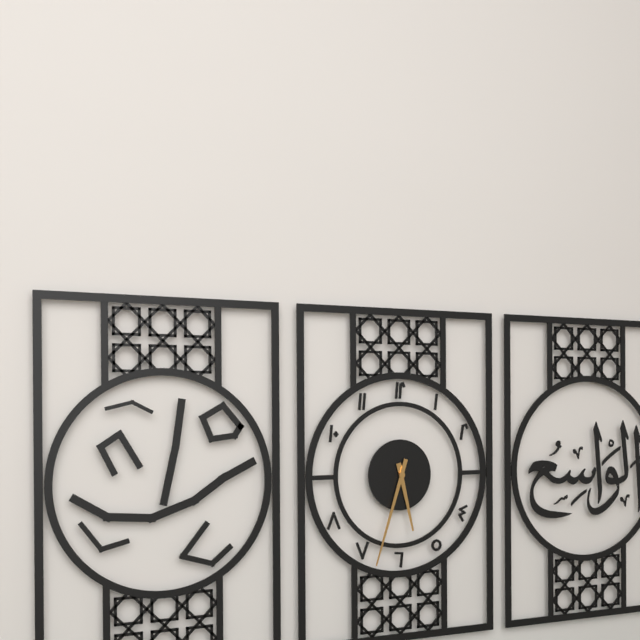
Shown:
5 h 33 min
